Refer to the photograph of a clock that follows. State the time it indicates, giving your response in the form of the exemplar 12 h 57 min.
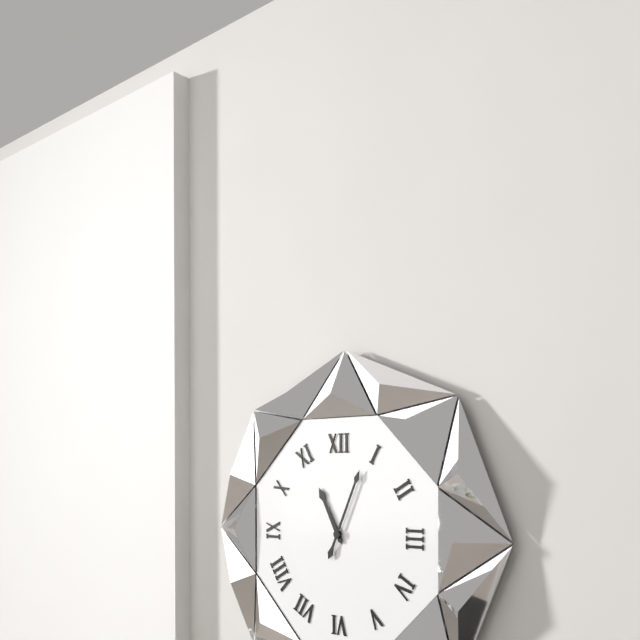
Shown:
11 h 04 min
